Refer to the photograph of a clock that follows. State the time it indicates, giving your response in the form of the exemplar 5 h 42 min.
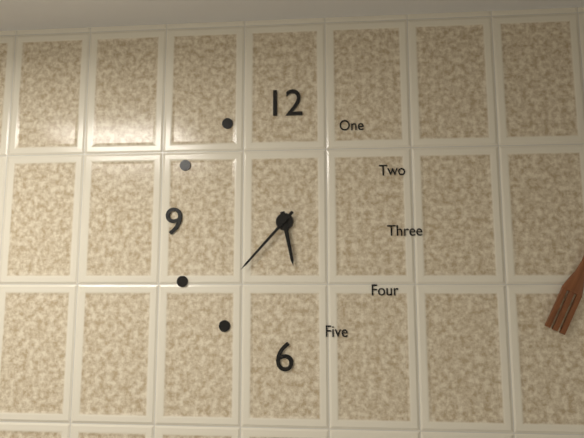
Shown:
5 h 37 min
